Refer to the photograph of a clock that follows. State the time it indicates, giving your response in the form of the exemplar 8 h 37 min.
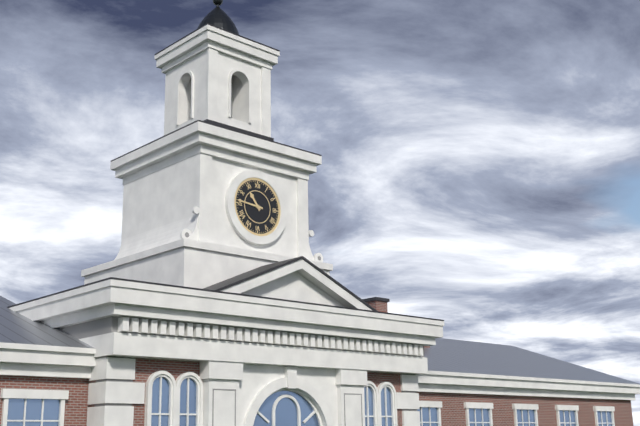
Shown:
10 h 46 min
